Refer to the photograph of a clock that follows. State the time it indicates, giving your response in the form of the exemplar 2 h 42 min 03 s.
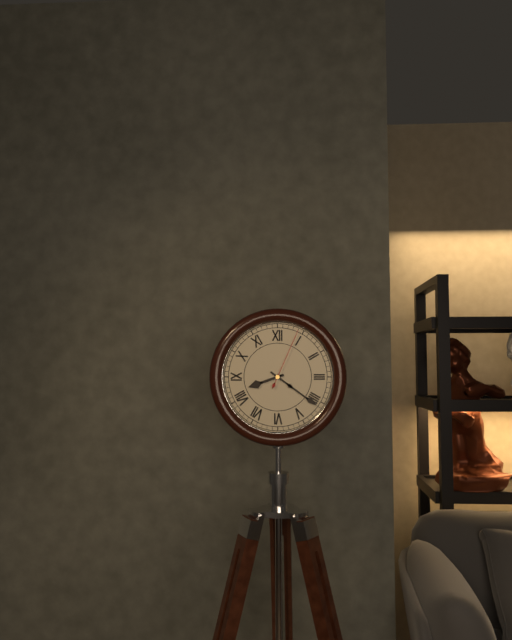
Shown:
8 h 21 min 04 s
